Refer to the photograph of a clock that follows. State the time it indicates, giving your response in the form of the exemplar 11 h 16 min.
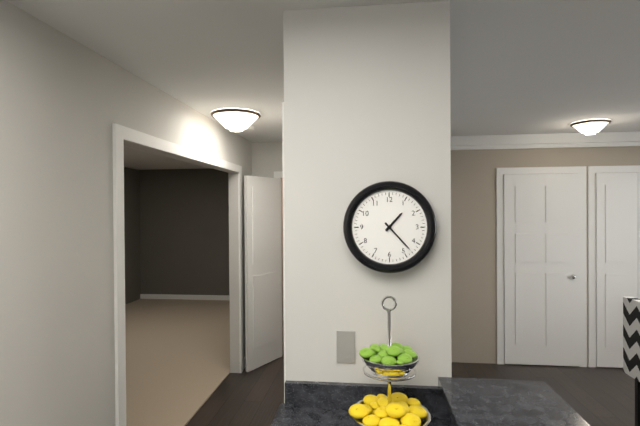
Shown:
1 h 23 min
